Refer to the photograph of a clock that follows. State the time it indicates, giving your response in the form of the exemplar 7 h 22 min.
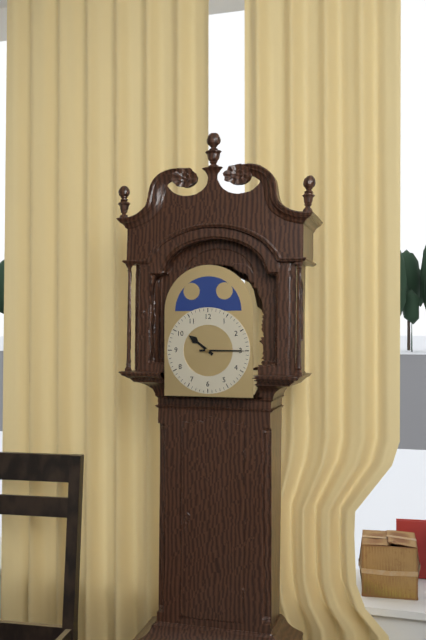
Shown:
10 h 15 min
